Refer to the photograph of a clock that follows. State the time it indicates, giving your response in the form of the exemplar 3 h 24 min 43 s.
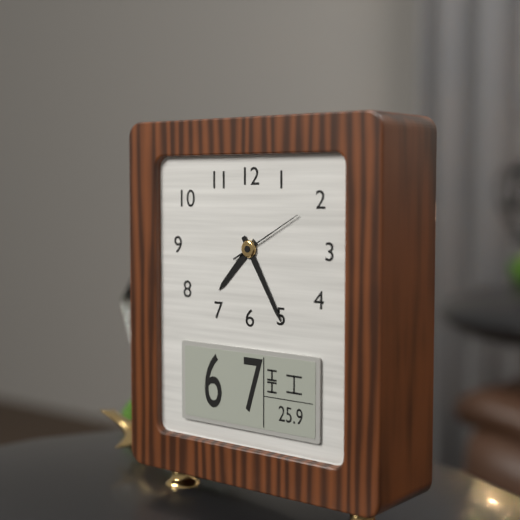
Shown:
7 h 25 min 10 s
